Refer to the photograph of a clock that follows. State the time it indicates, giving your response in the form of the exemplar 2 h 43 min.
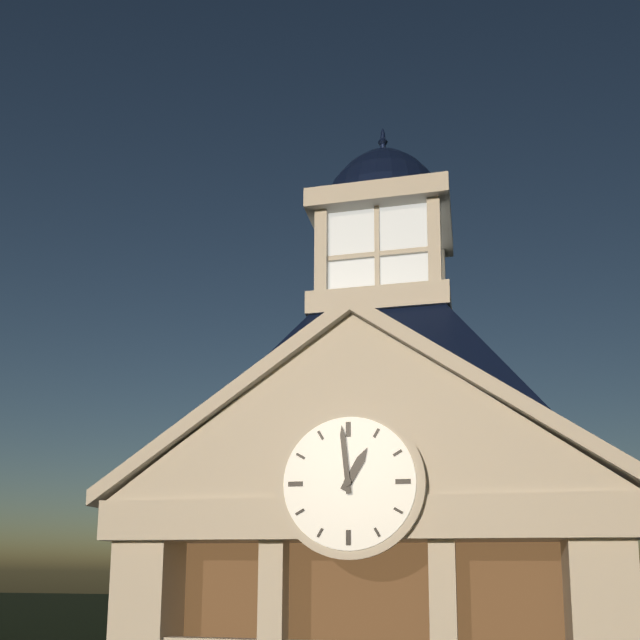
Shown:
12 h 59 min
